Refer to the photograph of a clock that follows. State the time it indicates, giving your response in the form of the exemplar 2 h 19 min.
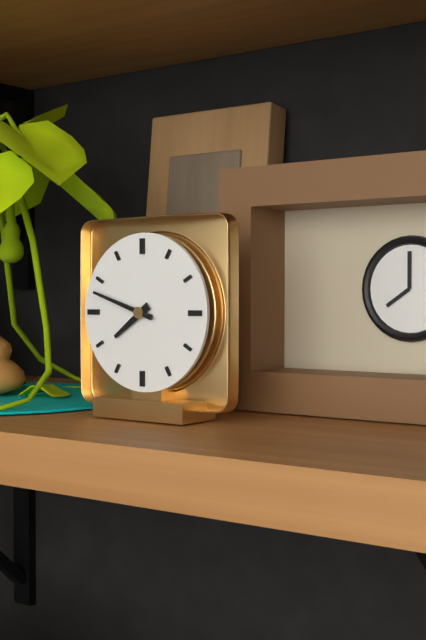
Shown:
7 h 48 min
